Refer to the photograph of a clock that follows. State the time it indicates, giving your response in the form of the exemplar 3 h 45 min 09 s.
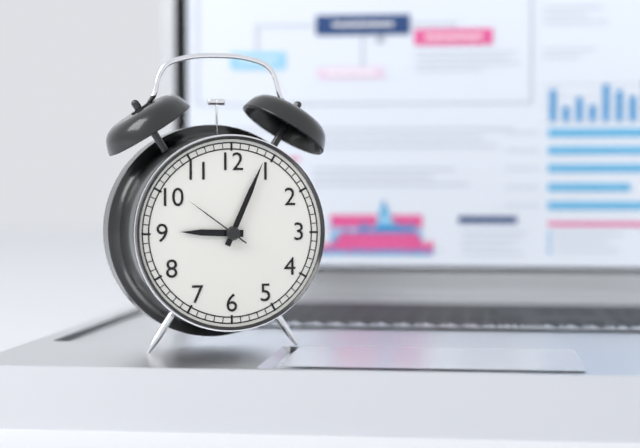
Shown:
9 h 04 min 51 s
